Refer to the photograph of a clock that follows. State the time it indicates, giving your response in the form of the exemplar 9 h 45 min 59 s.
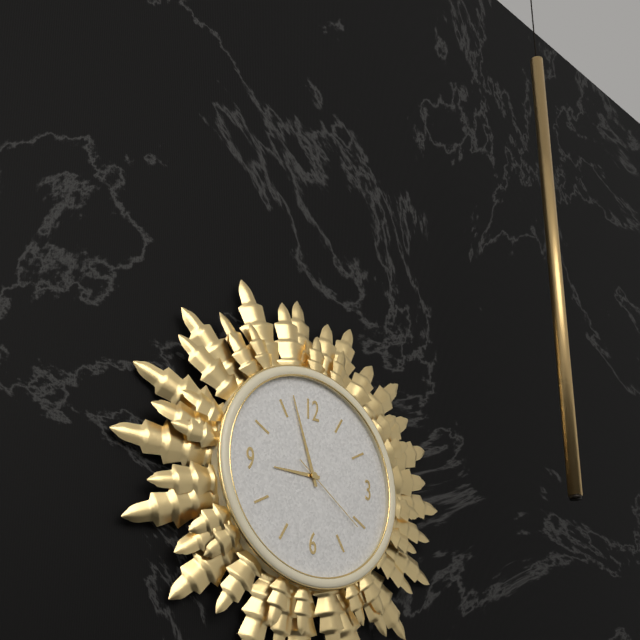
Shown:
8 h 57 min 21 s
